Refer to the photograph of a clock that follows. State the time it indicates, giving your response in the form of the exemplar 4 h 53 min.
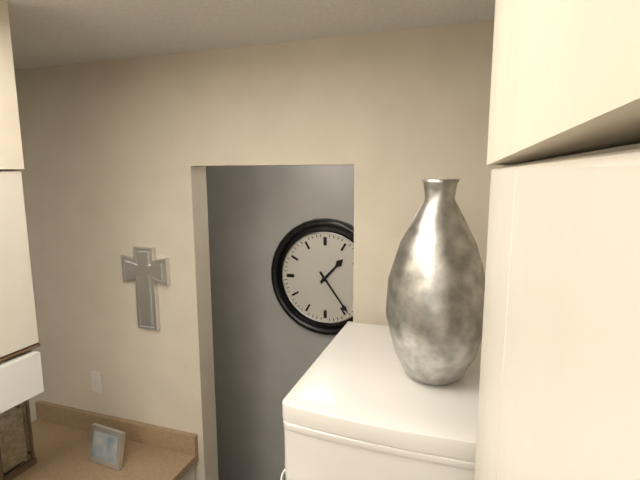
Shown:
1 h 24 min
